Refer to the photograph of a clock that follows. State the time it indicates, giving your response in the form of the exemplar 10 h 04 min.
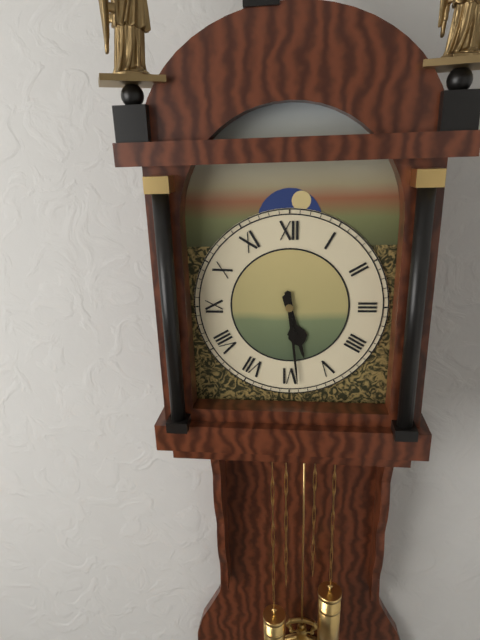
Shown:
5 h 29 min
